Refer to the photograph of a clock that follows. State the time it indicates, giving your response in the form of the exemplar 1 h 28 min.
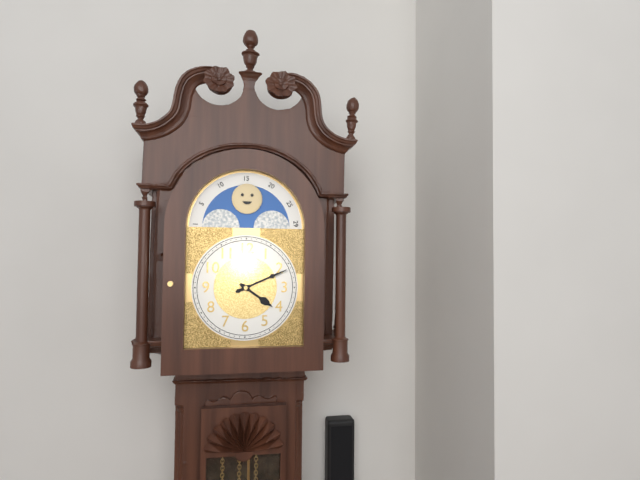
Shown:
4 h 11 min
